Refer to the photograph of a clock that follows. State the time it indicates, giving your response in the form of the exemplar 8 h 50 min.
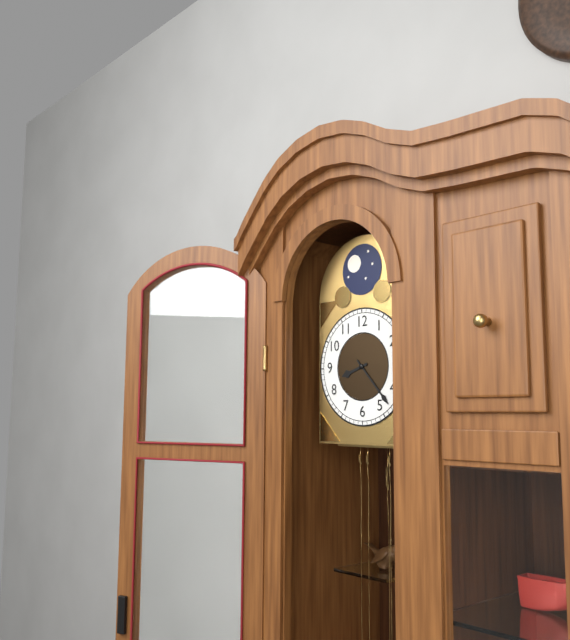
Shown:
8 h 23 min
